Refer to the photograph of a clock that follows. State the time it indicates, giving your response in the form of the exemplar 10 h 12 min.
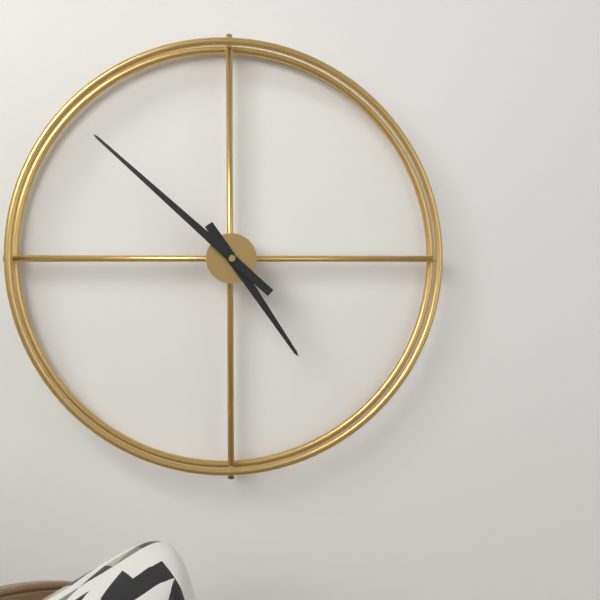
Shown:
4 h 52 min
